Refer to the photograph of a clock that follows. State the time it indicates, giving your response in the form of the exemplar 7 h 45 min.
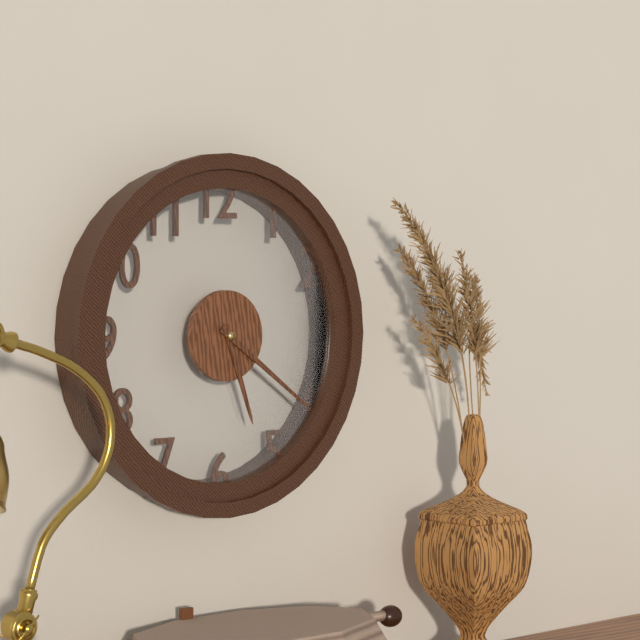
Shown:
5 h 21 min
